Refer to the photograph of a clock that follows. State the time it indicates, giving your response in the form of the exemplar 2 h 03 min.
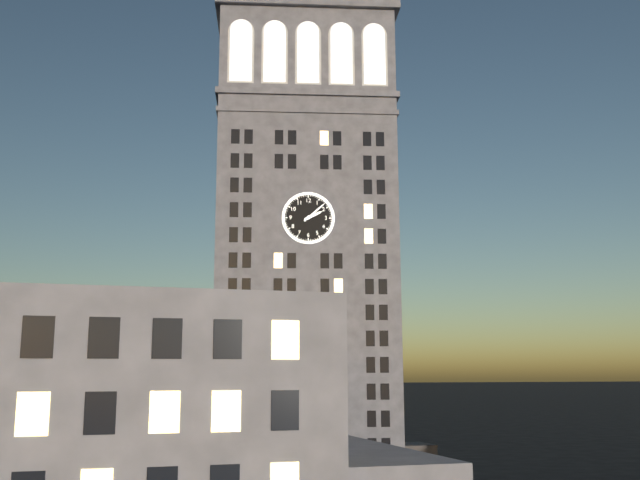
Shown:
2 h 08 min
